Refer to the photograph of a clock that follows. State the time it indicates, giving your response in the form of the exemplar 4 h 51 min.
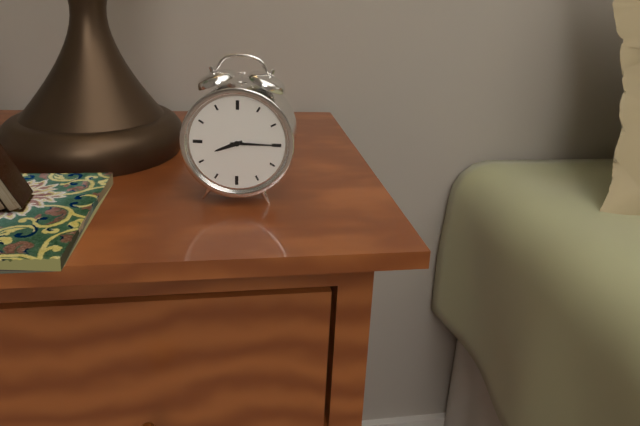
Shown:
8 h 15 min
